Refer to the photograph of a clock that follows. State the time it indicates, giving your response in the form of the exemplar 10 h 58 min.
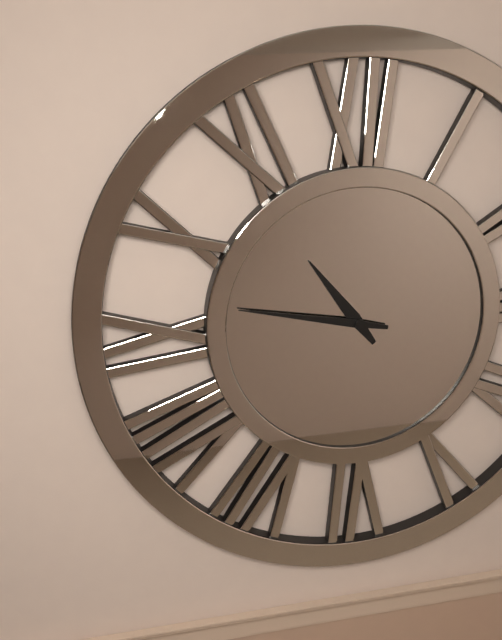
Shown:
10 h 47 min
